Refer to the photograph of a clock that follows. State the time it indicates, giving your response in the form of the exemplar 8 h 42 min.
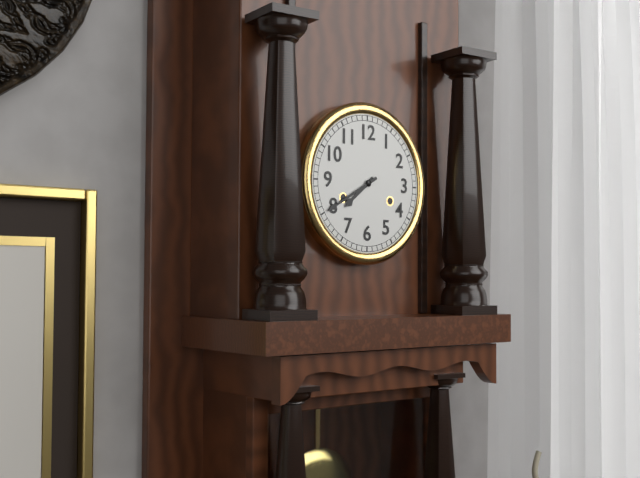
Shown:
7 h 40 min
